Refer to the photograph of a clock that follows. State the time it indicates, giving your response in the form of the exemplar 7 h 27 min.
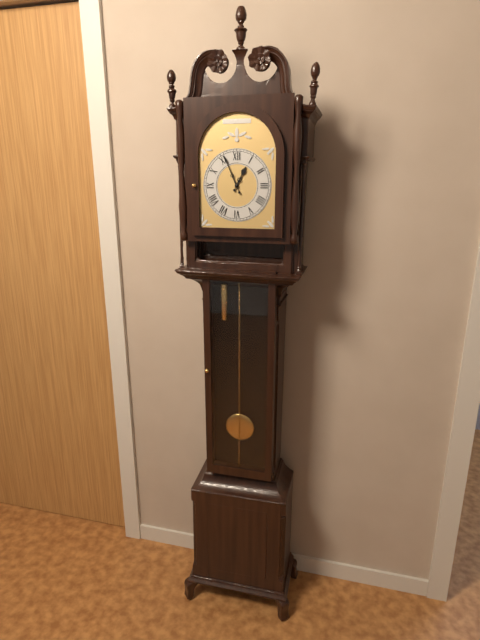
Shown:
12 h 56 min
